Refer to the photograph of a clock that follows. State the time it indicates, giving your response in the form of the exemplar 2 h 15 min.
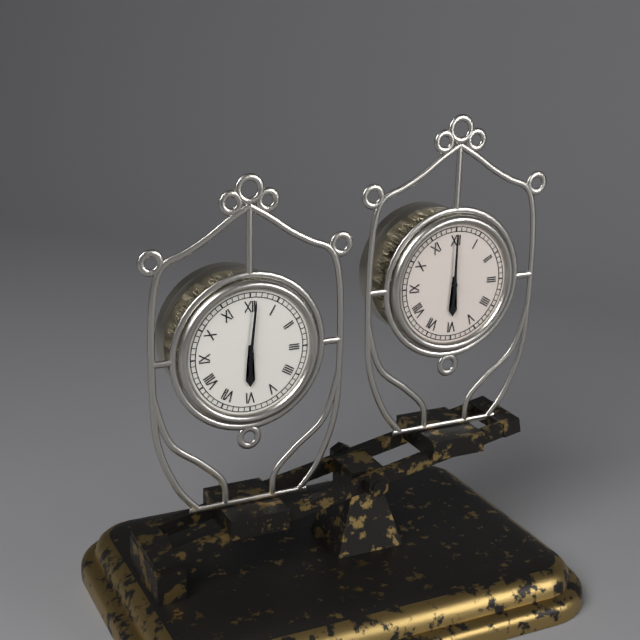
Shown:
6 h 01 min
